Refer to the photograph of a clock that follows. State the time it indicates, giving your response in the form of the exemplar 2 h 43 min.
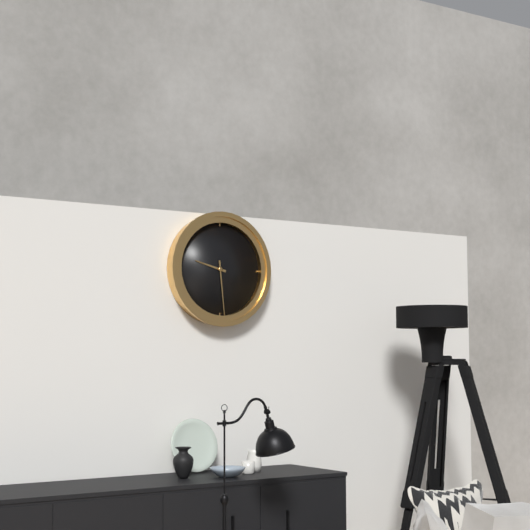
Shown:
9 h 29 min
